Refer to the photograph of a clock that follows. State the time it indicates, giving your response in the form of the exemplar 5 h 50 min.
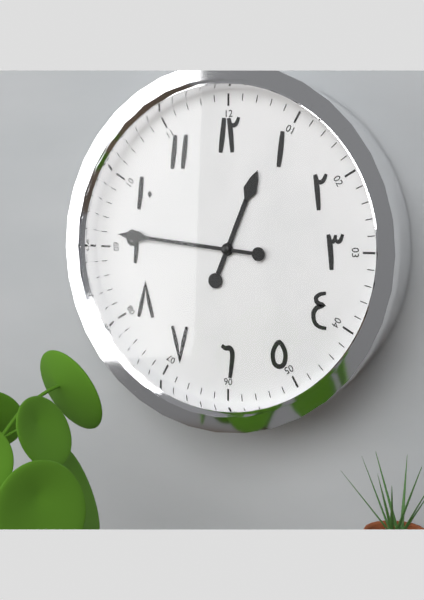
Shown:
12 h 46 min
